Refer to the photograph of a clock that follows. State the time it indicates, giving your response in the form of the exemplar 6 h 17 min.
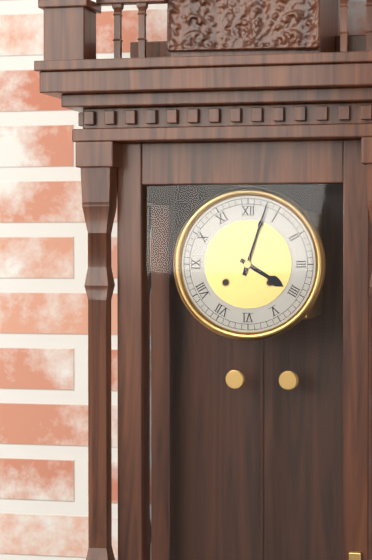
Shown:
4 h 03 min
